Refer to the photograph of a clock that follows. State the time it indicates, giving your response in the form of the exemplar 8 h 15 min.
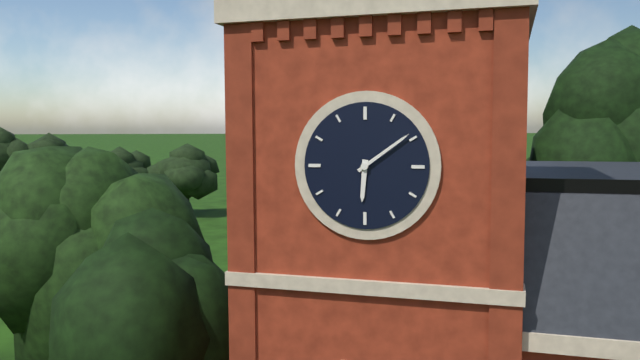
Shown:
6 h 09 min
